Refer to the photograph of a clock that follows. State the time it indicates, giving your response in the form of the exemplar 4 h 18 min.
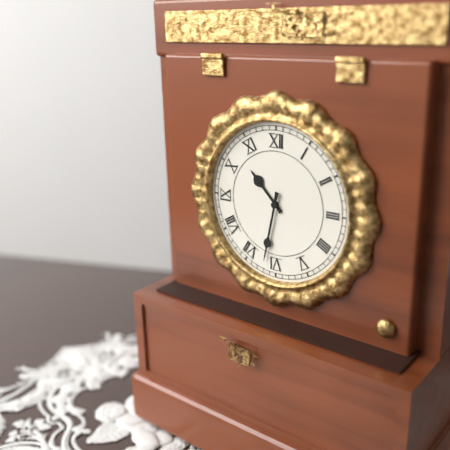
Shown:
10 h 32 min
